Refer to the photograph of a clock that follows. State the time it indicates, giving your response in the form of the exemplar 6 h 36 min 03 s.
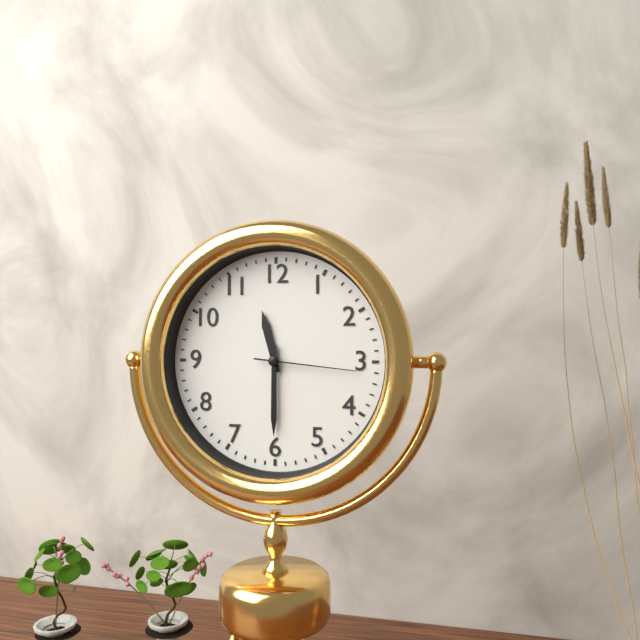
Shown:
11 h 30 min 16 s
